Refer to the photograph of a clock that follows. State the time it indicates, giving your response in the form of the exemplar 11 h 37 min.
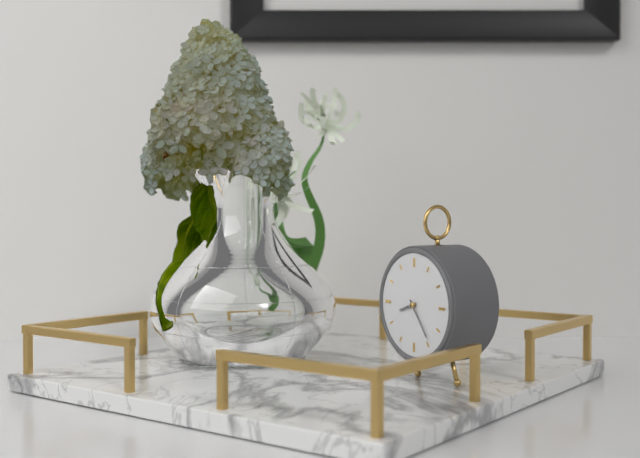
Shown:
8 h 24 min
